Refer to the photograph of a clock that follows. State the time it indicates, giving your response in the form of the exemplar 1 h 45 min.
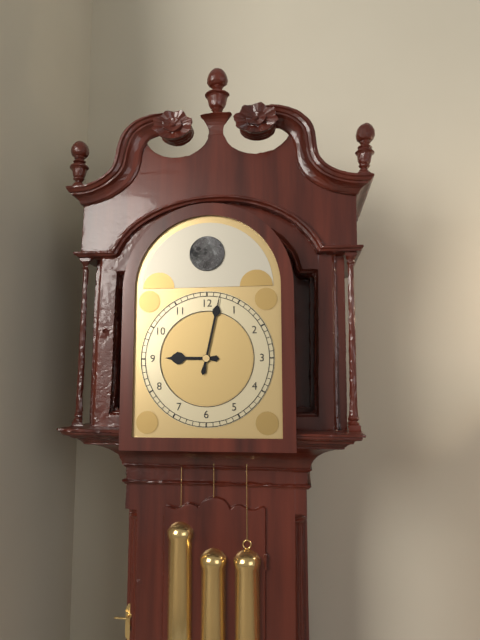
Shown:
9 h 02 min
